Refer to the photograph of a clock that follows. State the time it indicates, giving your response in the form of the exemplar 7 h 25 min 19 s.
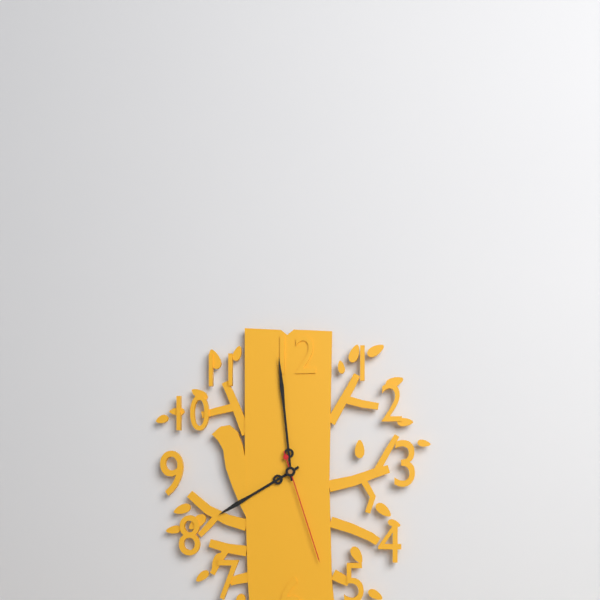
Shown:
7 h 59 min 27 s
